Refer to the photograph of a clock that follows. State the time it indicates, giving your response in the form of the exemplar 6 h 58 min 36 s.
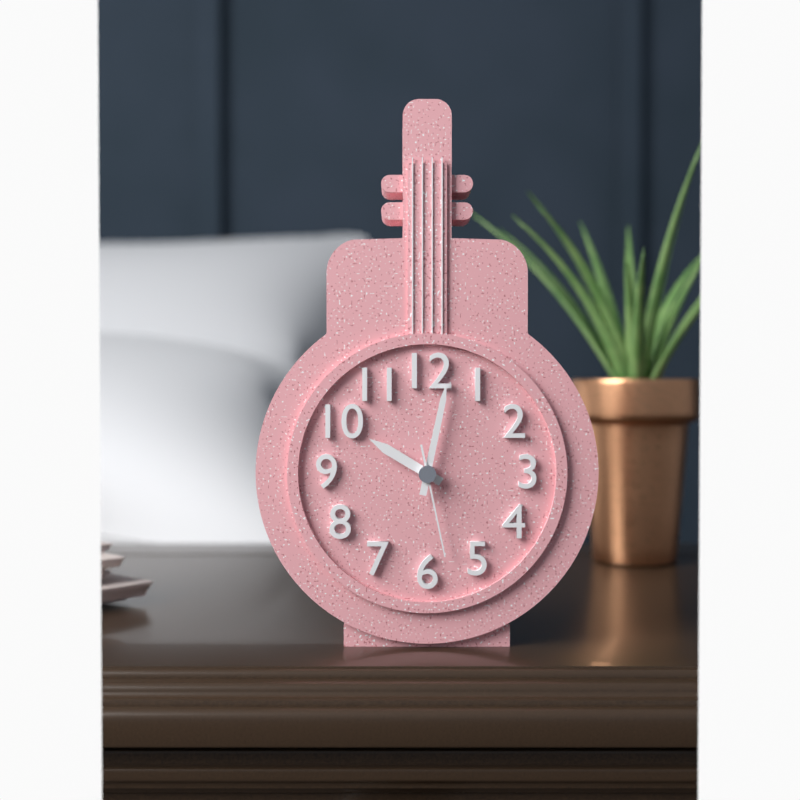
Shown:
10 h 02 min 28 s
